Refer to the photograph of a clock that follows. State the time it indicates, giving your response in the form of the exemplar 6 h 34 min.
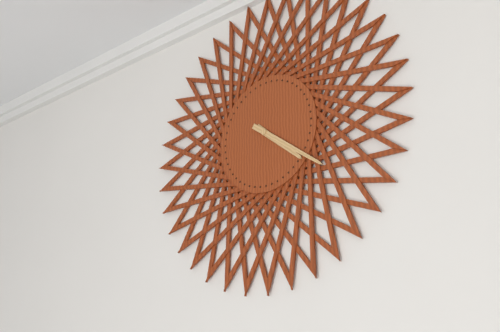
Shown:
4 h 21 min
